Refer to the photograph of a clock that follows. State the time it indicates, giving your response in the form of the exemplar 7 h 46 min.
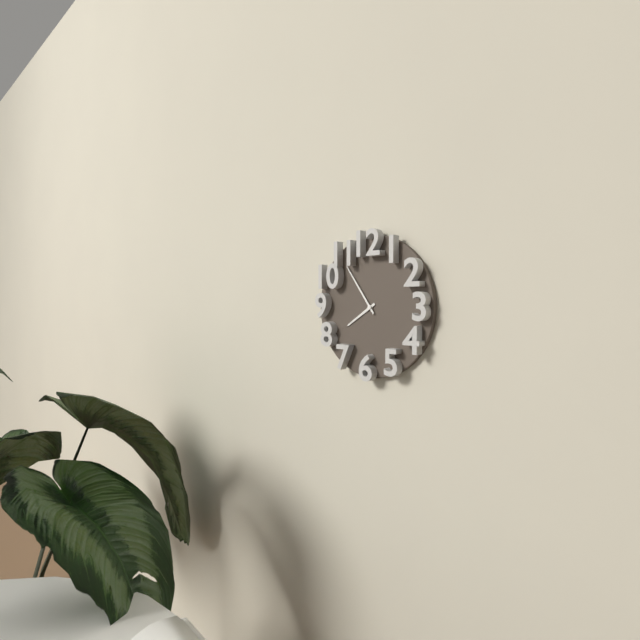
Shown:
7 h 54 min
